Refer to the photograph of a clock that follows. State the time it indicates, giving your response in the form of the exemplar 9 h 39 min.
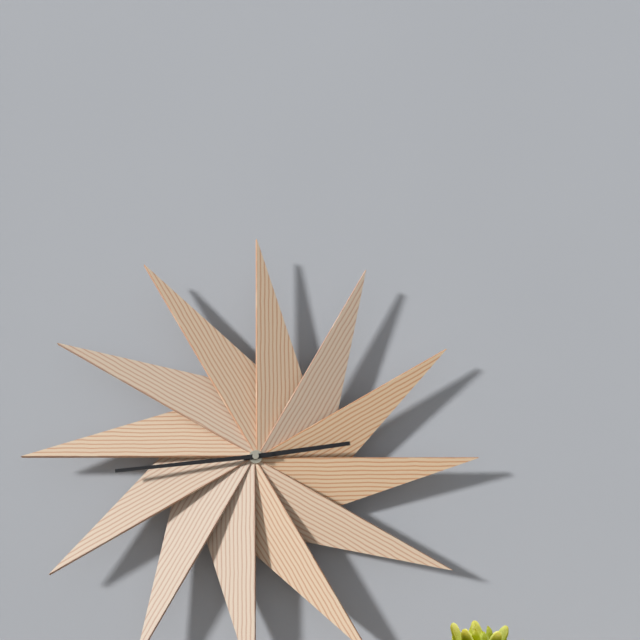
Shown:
2 h 44 min
